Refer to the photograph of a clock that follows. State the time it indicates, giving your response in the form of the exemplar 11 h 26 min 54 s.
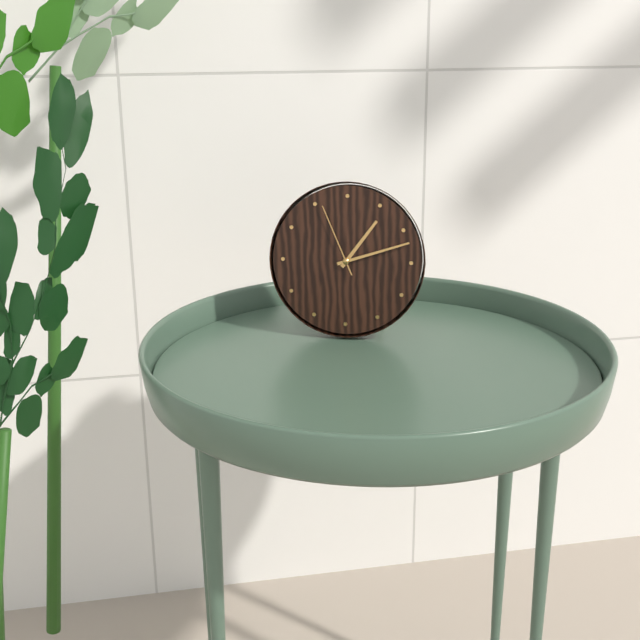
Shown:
1 h 12 min 56 s
